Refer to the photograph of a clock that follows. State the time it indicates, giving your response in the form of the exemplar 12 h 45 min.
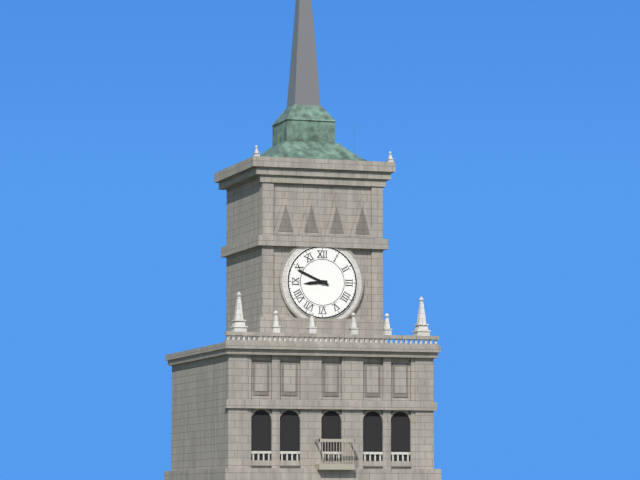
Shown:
8 h 49 min
